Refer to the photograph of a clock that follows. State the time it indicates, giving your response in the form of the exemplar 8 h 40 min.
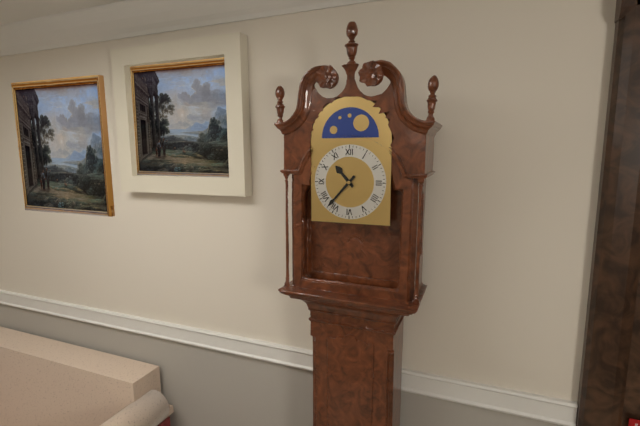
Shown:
10 h 37 min
